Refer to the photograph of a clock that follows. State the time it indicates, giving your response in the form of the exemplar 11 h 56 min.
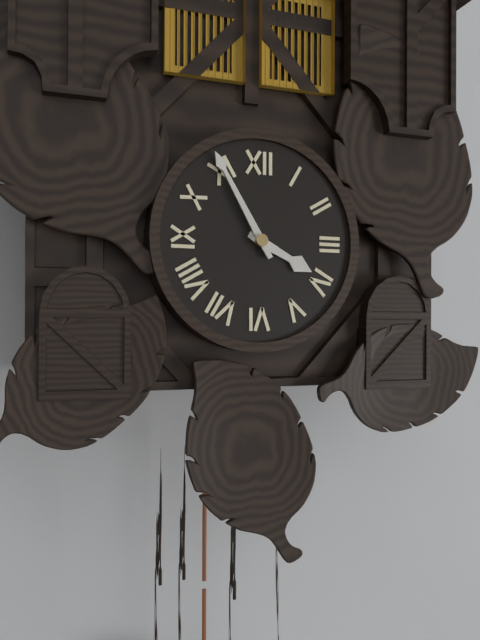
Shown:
3 h 55 min
